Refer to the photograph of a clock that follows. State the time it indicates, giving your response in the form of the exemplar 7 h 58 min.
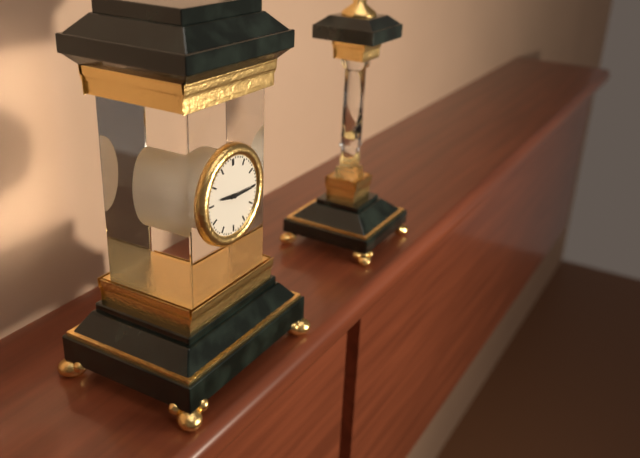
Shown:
9 h 15 min
